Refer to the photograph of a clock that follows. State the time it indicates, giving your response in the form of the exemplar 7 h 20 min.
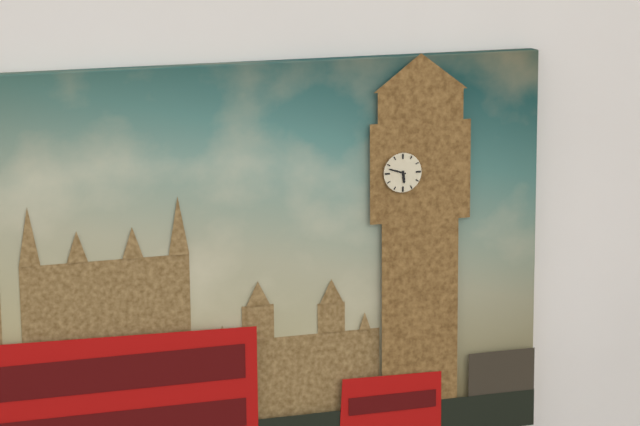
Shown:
5 h 48 min
